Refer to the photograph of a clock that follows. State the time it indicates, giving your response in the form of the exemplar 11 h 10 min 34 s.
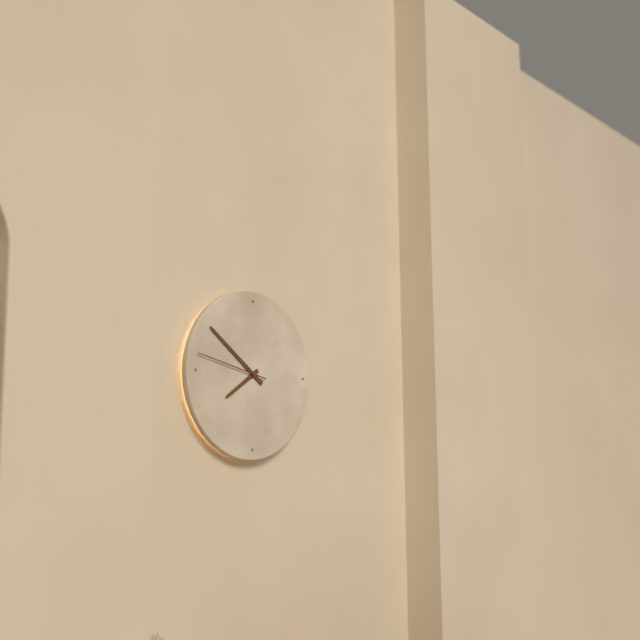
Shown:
7 h 51 min 47 s
